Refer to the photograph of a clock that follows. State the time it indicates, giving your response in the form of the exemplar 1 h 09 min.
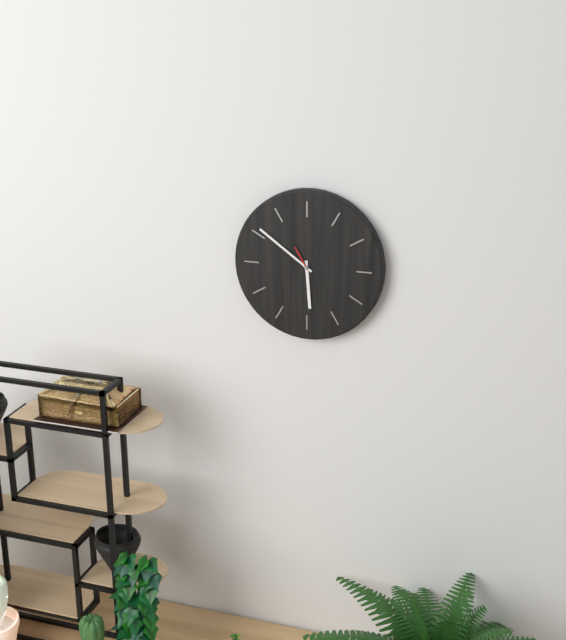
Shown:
5 h 51 min
